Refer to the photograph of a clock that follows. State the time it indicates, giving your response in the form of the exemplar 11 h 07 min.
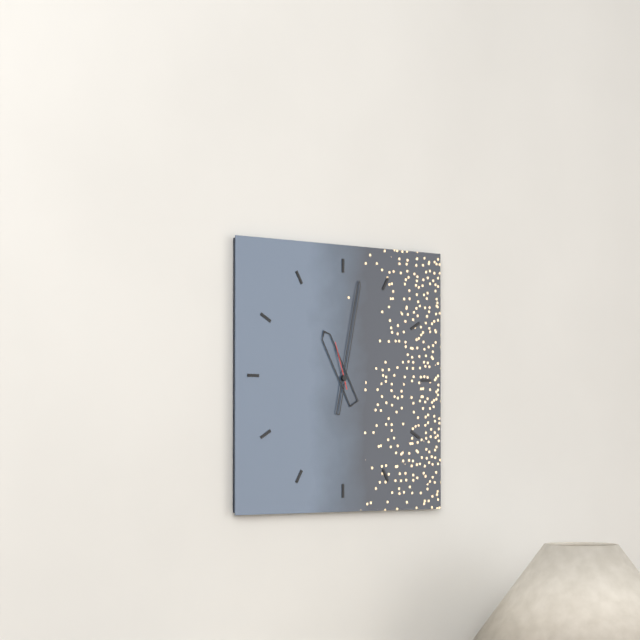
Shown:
11 h 02 min
